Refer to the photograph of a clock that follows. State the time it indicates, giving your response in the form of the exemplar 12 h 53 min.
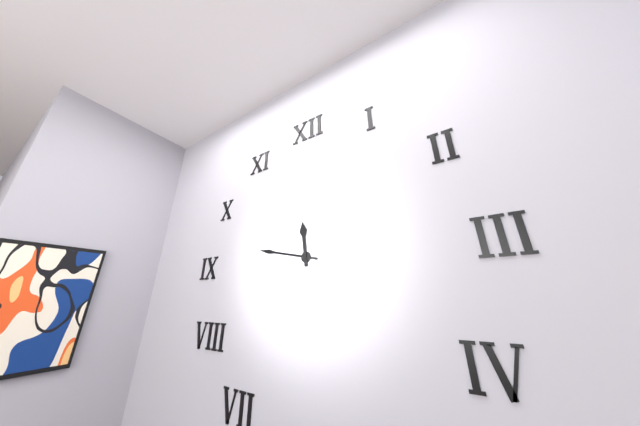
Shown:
11 h 47 min
